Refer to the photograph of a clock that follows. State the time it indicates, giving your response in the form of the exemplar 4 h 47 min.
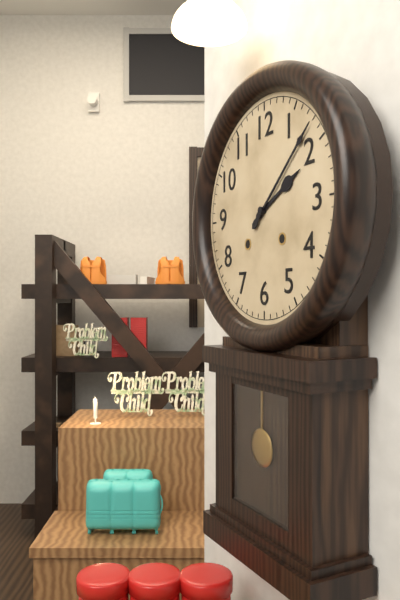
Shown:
2 h 08 min
